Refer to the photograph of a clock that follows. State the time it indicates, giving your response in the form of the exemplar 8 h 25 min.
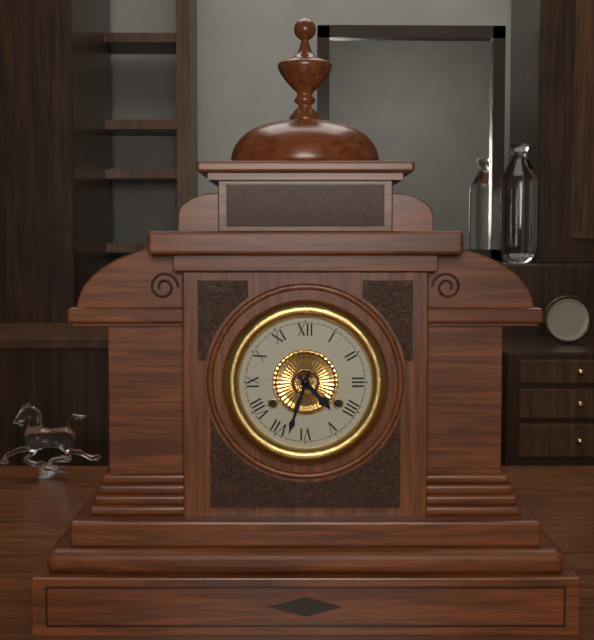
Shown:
4 h 33 min
